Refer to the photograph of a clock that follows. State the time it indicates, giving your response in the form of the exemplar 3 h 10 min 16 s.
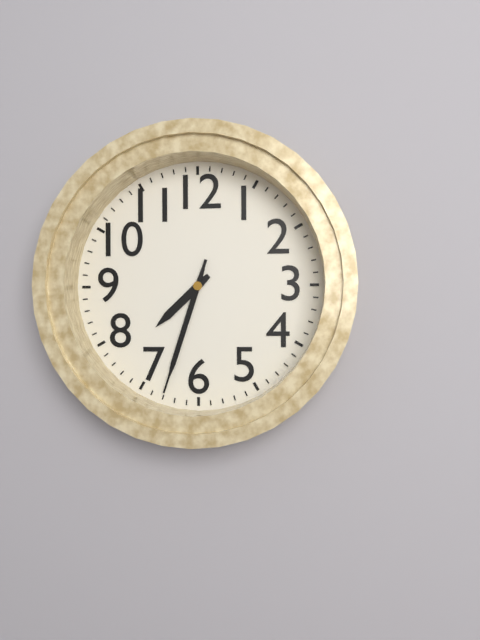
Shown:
7 h 33 min 33 s
